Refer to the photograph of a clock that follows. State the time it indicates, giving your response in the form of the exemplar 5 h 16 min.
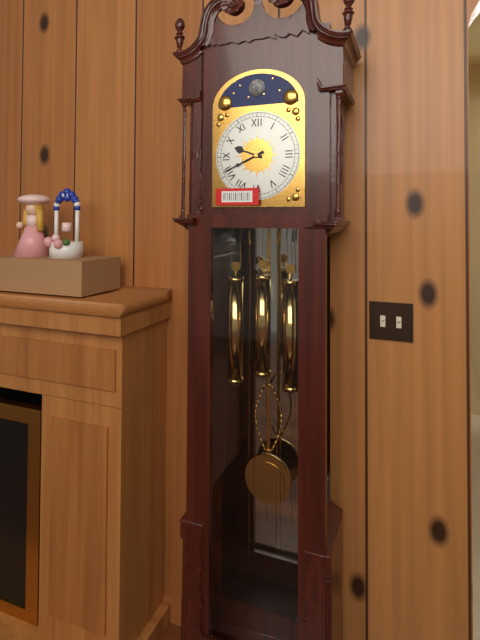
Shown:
9 h 41 min
